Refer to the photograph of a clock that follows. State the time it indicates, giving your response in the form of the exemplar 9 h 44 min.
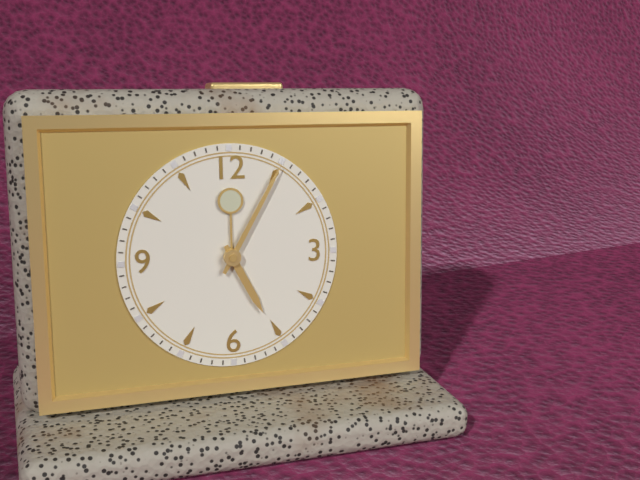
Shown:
5 h 05 min
